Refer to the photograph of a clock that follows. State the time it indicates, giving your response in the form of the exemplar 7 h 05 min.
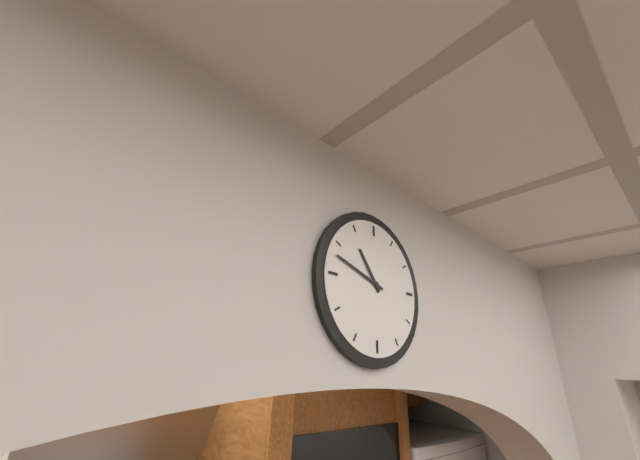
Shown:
10 h 48 min
